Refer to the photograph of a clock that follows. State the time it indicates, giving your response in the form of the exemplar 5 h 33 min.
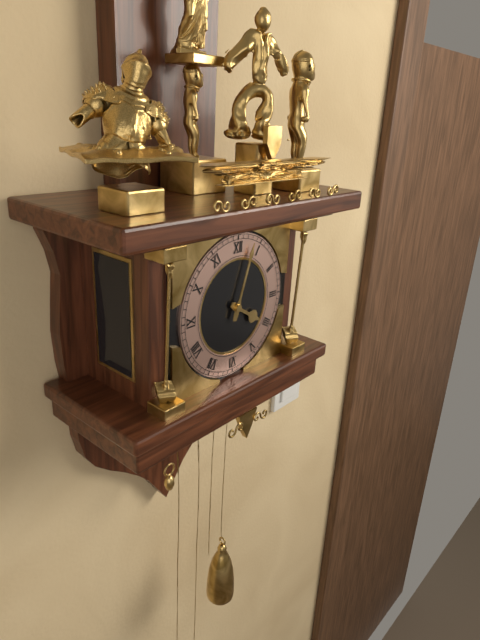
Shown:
4 h 03 min
